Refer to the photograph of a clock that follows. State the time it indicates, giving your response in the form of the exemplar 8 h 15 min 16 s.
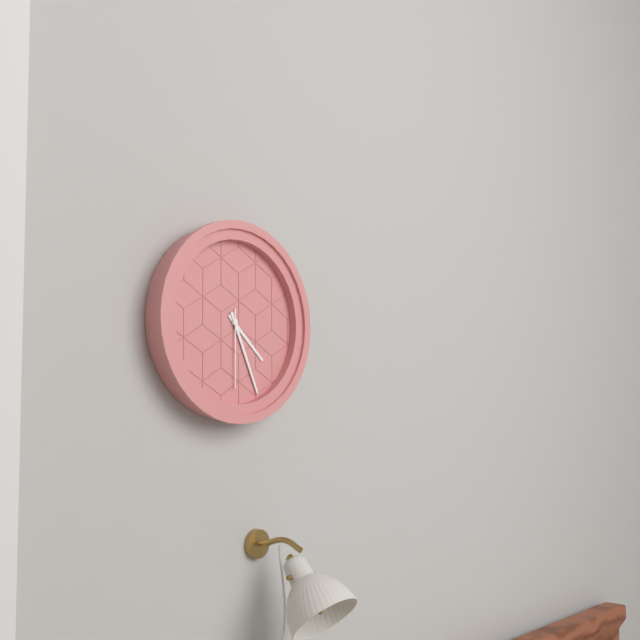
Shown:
4 h 26 min 30 s
